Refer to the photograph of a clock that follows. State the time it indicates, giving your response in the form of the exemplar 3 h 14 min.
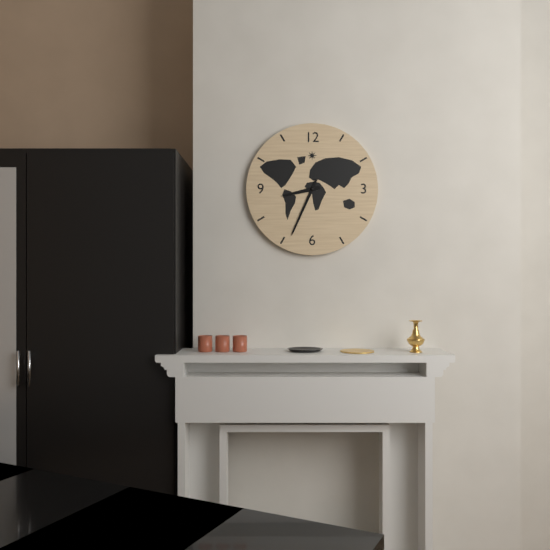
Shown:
8 h 34 min
